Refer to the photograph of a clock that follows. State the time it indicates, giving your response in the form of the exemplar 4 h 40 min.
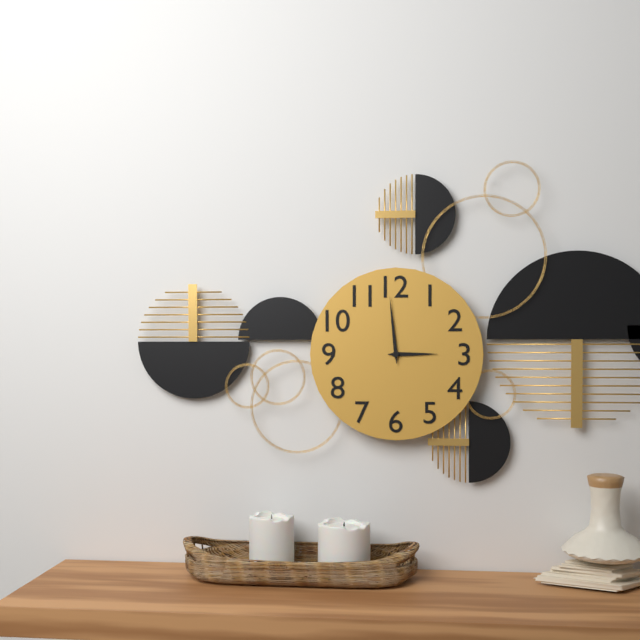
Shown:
2 h 59 min
